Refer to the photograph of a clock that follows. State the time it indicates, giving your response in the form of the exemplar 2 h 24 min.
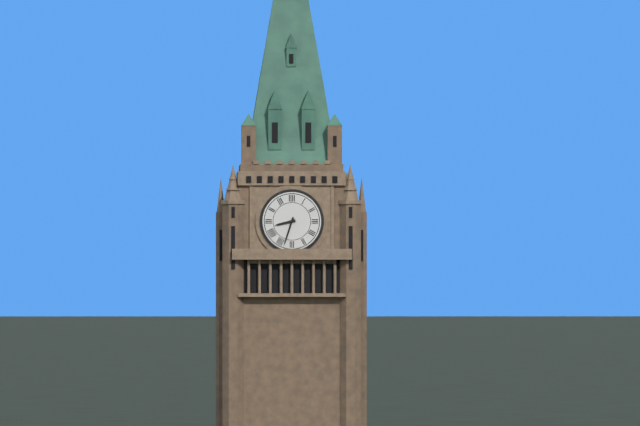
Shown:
8 h 33 min
